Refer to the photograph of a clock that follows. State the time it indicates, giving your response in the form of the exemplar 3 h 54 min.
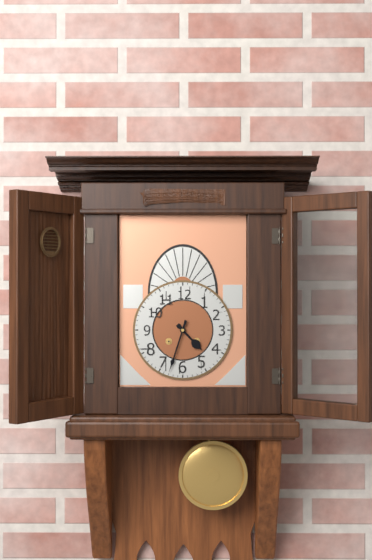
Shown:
4 h 33 min
